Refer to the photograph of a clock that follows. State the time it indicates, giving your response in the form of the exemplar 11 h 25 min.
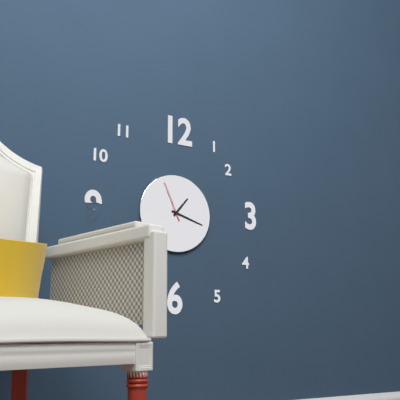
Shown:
1 h 18 min
